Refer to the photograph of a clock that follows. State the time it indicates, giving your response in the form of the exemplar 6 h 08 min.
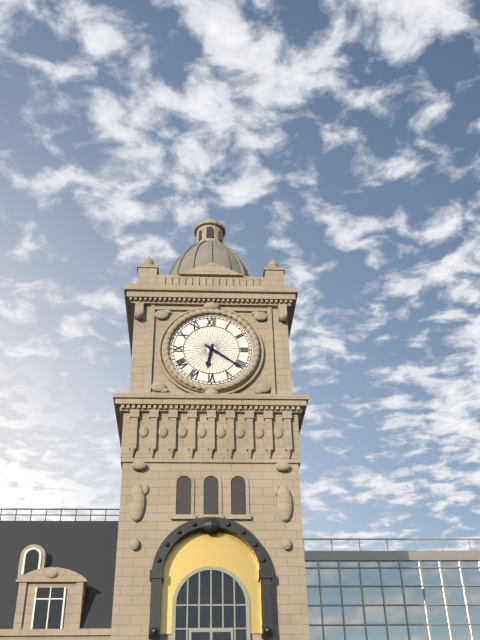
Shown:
6 h 21 min
